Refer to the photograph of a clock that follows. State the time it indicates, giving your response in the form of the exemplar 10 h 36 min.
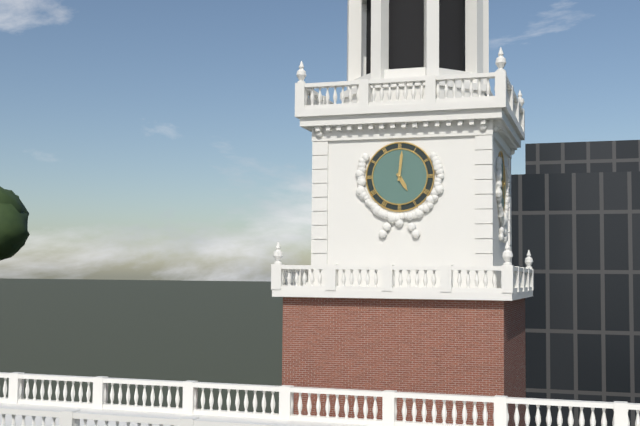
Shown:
5 h 01 min
